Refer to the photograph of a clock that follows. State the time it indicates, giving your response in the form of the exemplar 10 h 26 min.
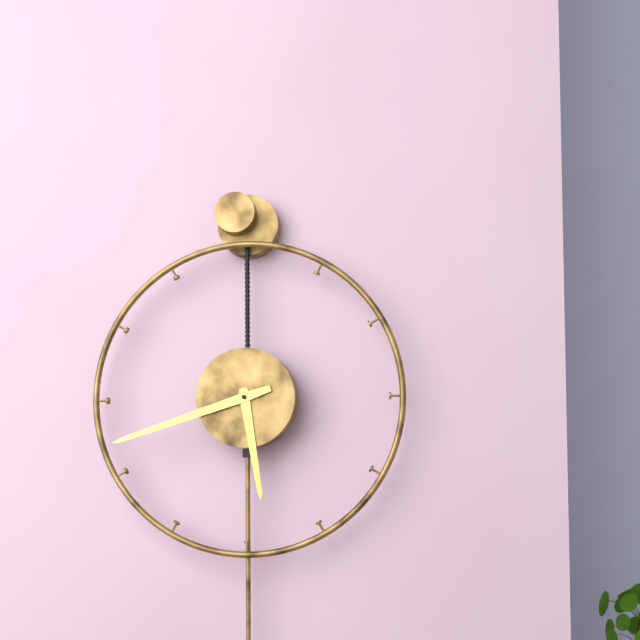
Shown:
5 h 42 min
